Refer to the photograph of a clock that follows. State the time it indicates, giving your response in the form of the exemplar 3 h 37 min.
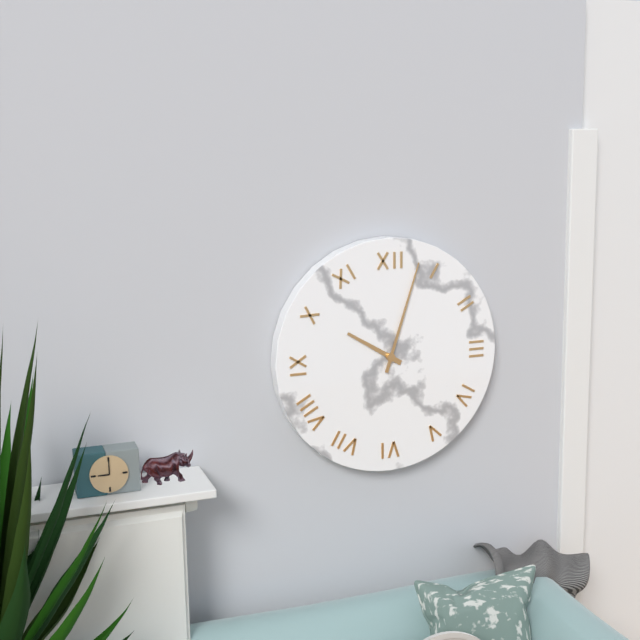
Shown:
10 h 03 min
